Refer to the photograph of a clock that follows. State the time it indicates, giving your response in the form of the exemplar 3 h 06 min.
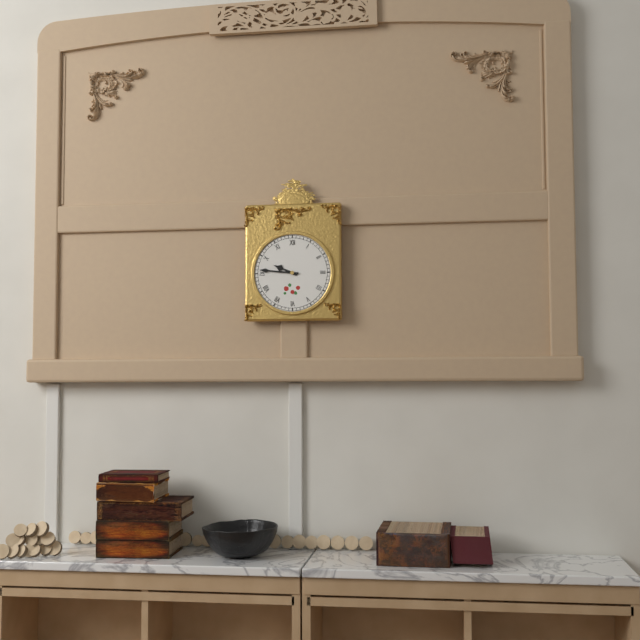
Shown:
9 h 46 min
